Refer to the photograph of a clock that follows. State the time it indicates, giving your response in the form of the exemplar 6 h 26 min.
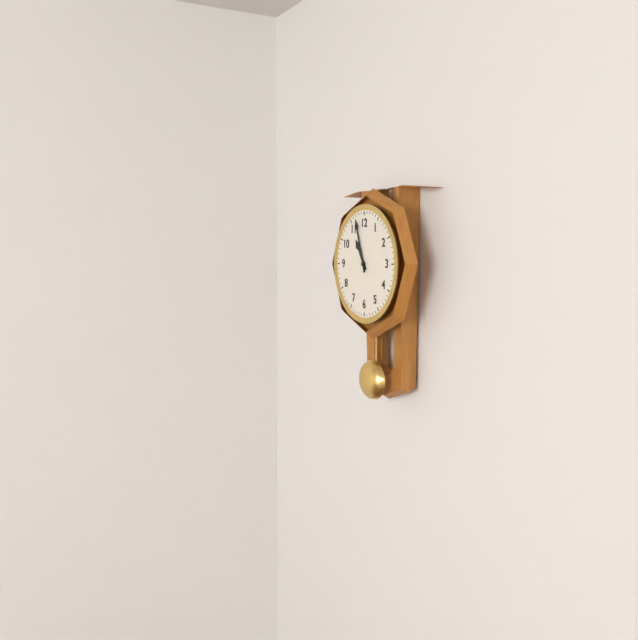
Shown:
10 h 57 min
